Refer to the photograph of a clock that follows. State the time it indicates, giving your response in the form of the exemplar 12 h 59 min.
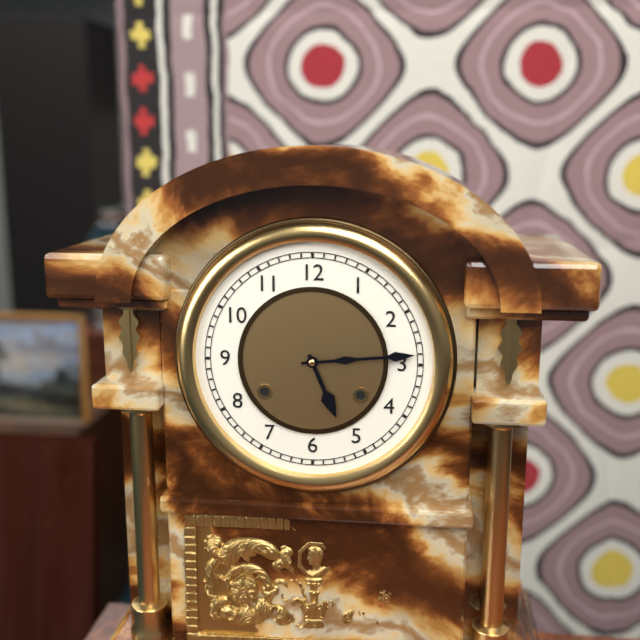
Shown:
5 h 14 min
